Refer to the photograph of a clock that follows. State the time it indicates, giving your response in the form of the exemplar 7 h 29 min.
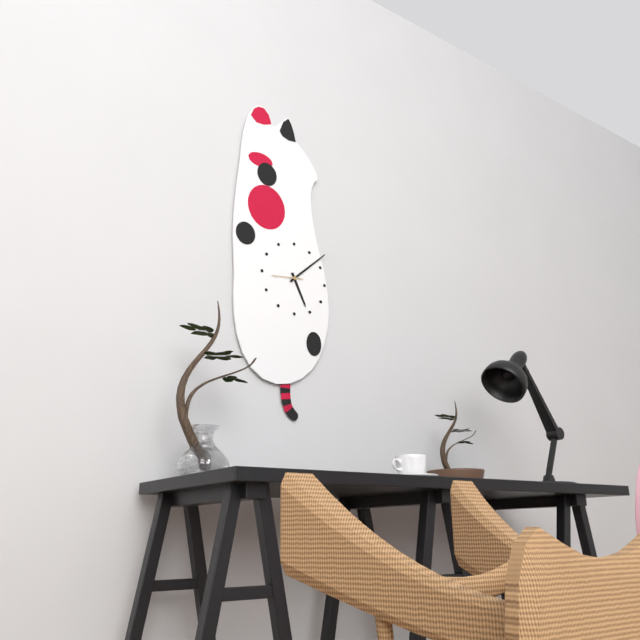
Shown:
5 h 08 min
